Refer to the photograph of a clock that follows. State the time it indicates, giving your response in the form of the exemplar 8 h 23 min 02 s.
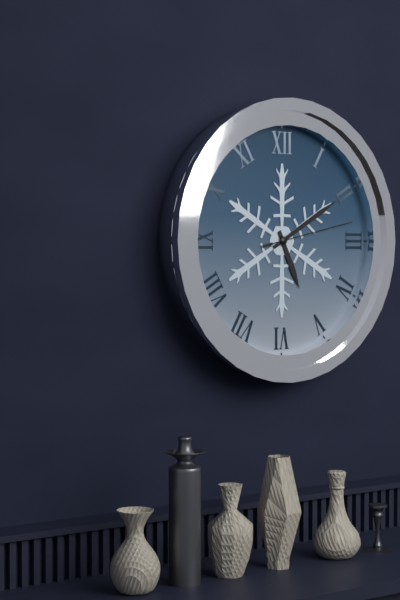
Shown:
5 h 10 min 13 s
